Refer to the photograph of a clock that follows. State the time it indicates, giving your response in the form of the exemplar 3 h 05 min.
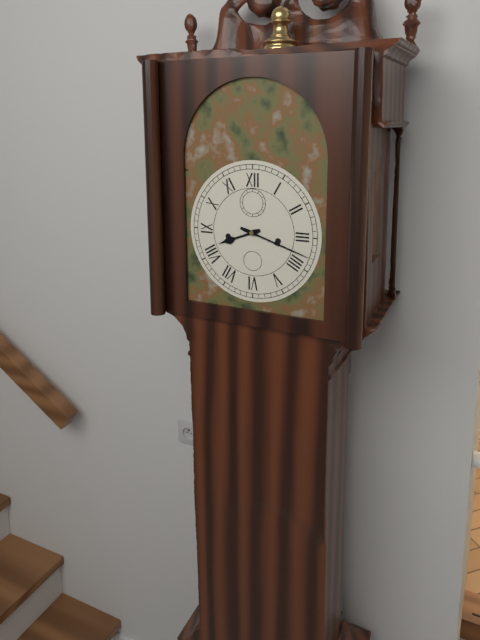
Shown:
8 h 18 min
